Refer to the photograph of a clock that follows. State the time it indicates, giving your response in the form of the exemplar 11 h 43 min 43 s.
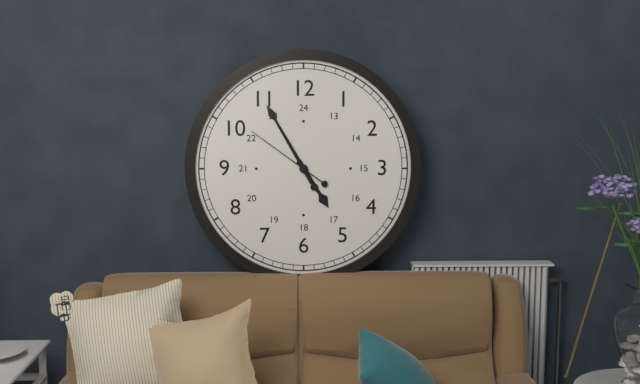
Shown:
4 h 55 min 51 s
